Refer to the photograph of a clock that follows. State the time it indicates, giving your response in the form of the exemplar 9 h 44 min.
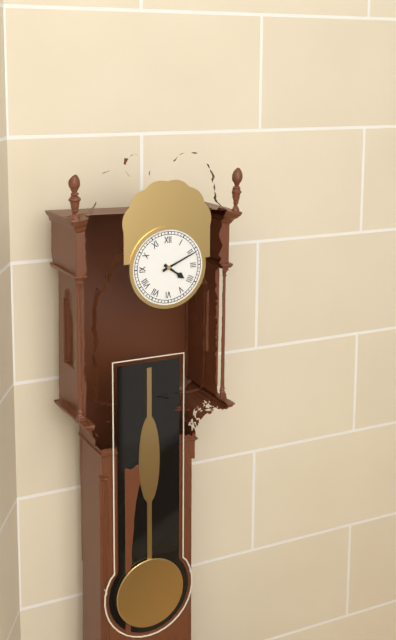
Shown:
4 h 11 min
